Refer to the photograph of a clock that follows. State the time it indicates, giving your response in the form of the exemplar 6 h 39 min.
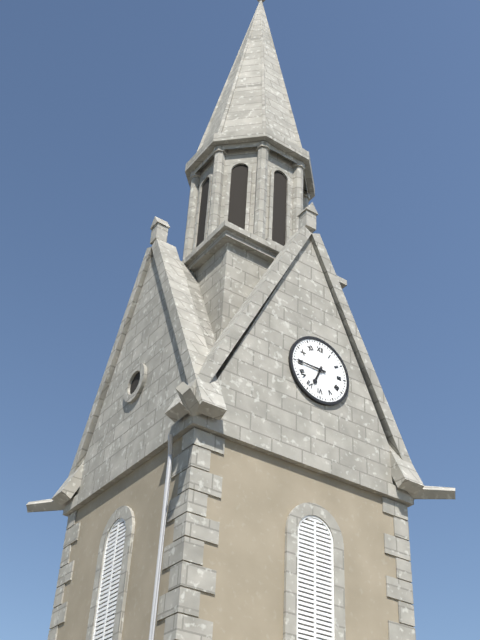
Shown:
6 h 45 min
